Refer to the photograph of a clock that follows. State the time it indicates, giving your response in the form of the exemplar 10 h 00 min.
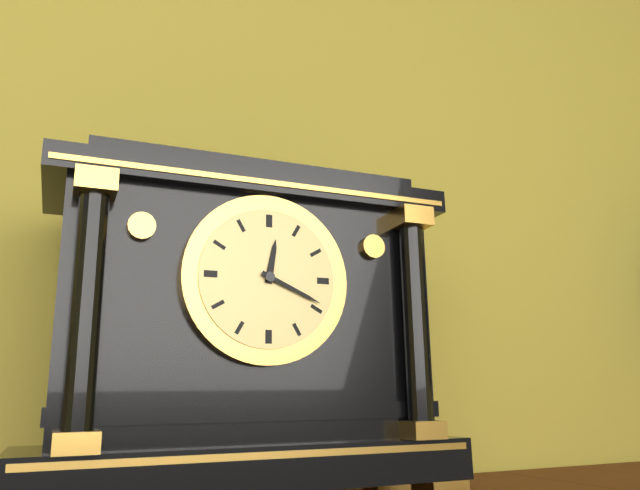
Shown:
12 h 19 min
